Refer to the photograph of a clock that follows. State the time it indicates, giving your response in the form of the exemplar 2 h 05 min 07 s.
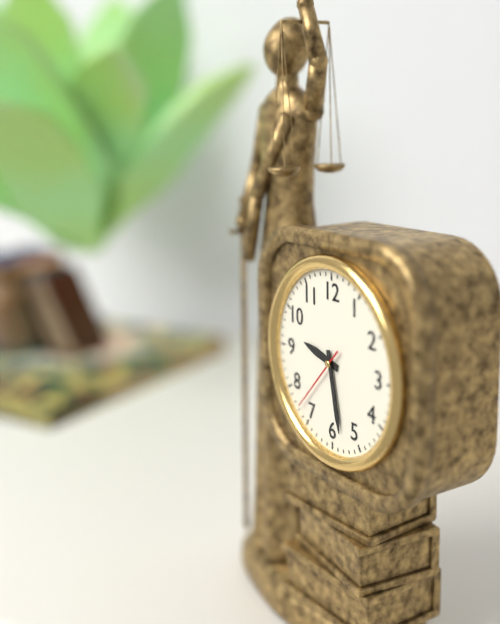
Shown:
9 h 28 min 37 s
